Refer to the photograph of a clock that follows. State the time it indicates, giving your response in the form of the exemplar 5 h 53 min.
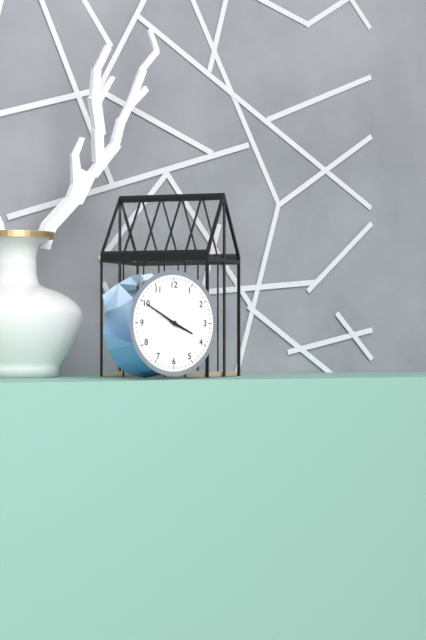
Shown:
3 h 50 min
